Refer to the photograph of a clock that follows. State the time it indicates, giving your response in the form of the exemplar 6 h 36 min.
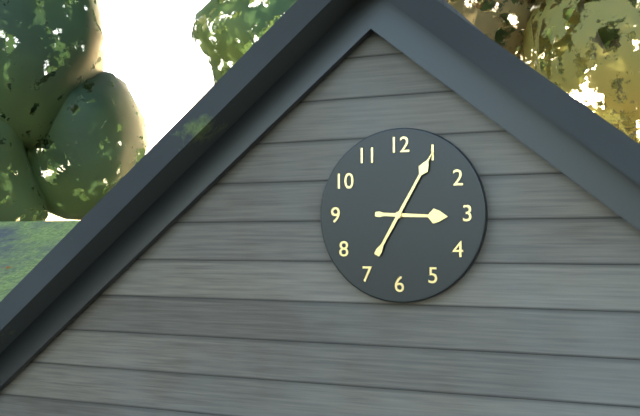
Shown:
3 h 05 min
